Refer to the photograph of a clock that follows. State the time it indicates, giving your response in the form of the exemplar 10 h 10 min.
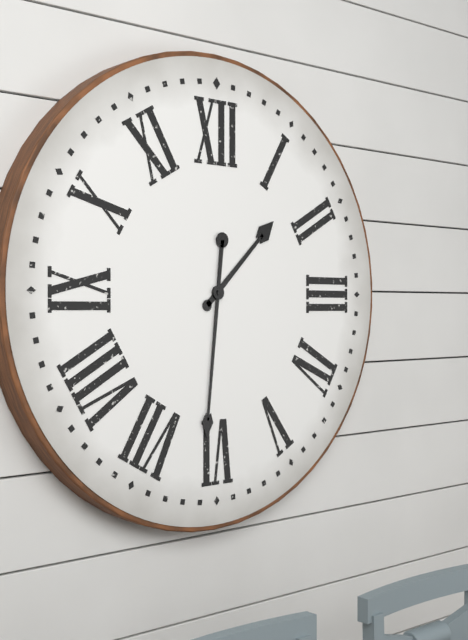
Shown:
1 h 31 min
